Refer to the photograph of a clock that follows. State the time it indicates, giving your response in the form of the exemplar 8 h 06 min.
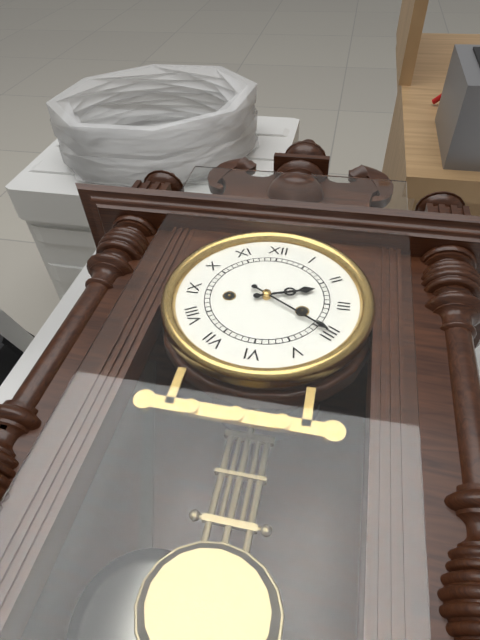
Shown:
2 h 20 min
